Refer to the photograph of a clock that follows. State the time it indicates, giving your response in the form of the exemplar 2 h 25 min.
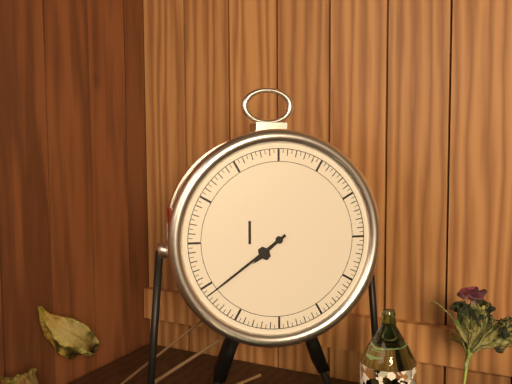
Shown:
7 h 39 min
